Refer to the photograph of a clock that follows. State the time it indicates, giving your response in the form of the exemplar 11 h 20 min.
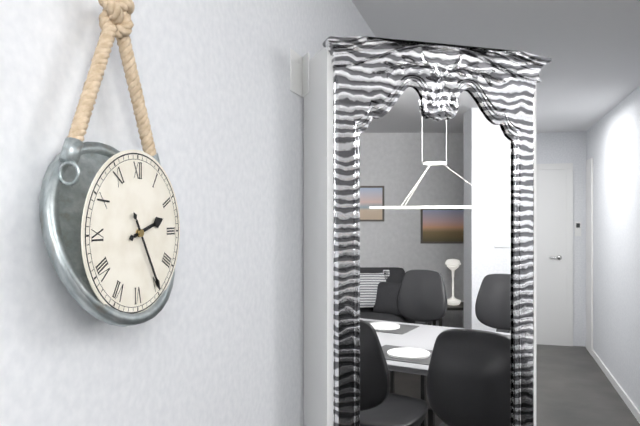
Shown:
2 h 25 min
